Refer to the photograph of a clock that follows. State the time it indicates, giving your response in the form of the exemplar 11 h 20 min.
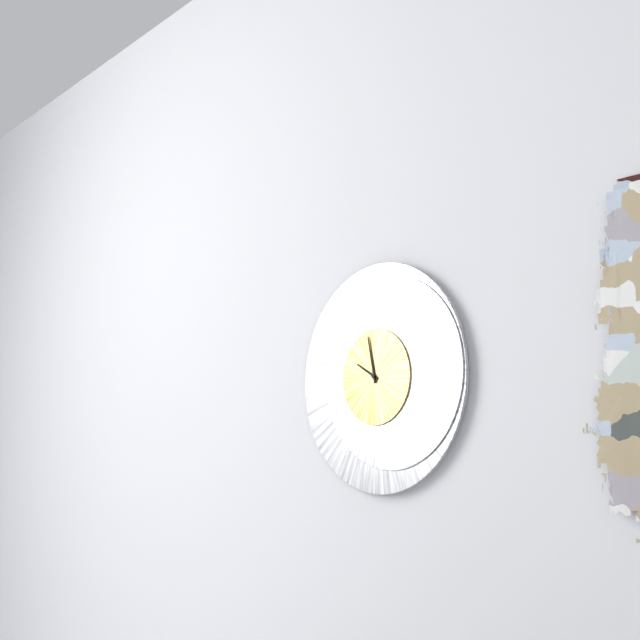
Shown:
9 h 58 min
